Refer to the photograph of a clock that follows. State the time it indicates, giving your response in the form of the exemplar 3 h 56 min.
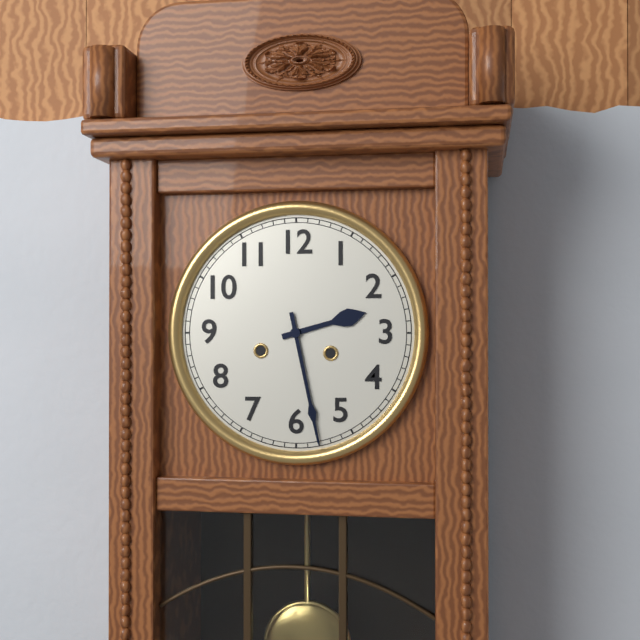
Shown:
2 h 28 min
